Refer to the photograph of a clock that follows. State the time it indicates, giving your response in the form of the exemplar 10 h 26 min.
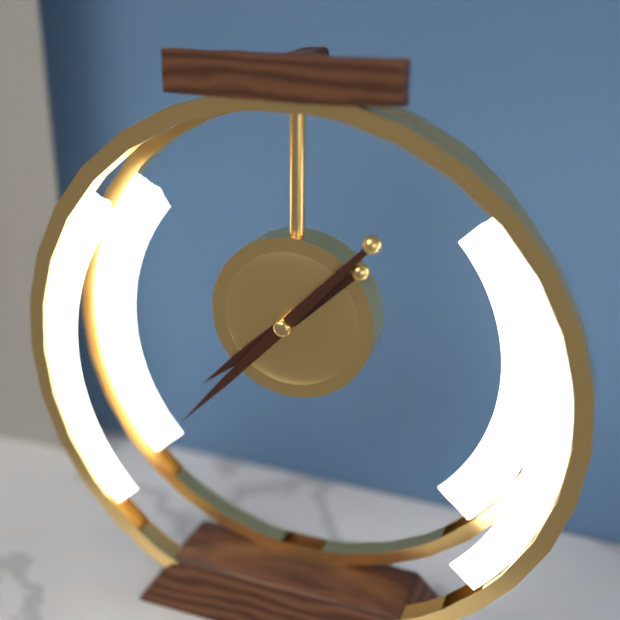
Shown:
7 h 37 min
